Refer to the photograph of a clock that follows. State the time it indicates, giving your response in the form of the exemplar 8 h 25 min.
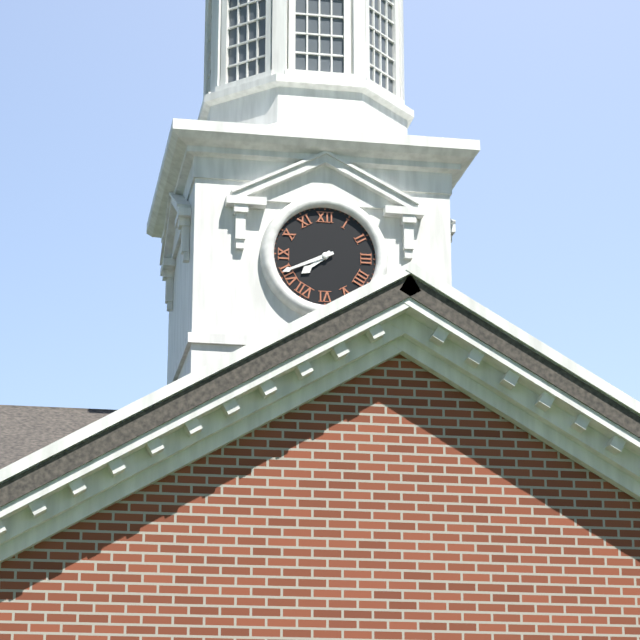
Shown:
7 h 41 min
